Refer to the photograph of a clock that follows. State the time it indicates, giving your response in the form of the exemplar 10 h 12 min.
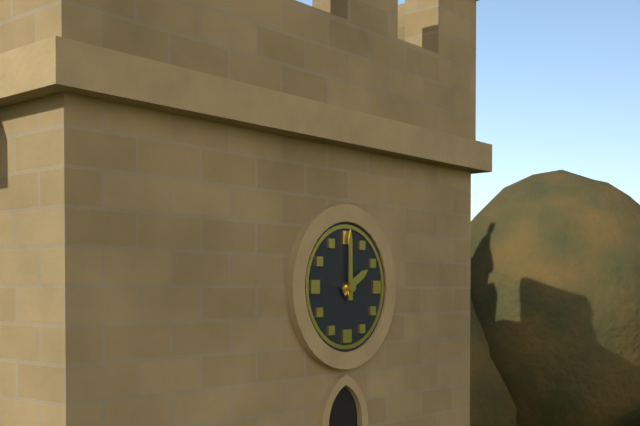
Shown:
2 h 00 min
